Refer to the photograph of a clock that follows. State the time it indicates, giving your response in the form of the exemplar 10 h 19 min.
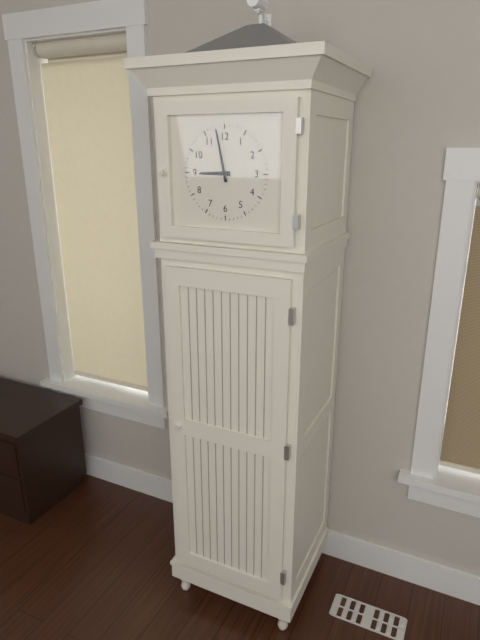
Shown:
8 h 58 min
